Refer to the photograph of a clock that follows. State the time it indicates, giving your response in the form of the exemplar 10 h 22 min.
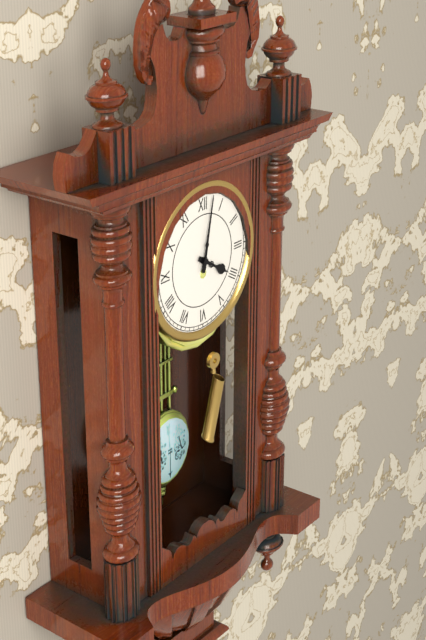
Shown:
4 h 02 min
